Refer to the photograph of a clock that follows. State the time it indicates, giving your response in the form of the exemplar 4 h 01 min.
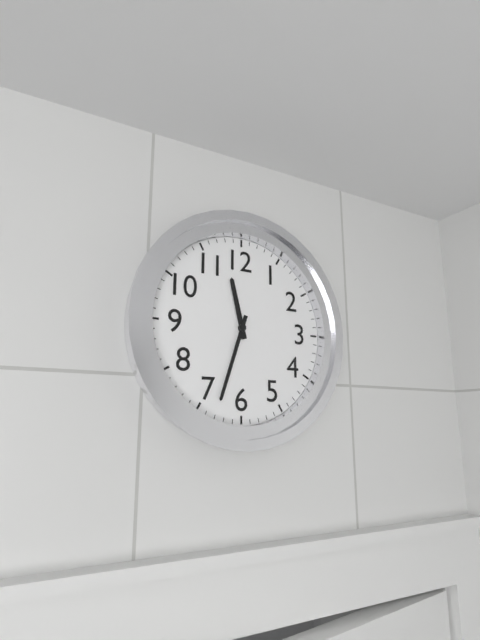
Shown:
11 h 33 min
